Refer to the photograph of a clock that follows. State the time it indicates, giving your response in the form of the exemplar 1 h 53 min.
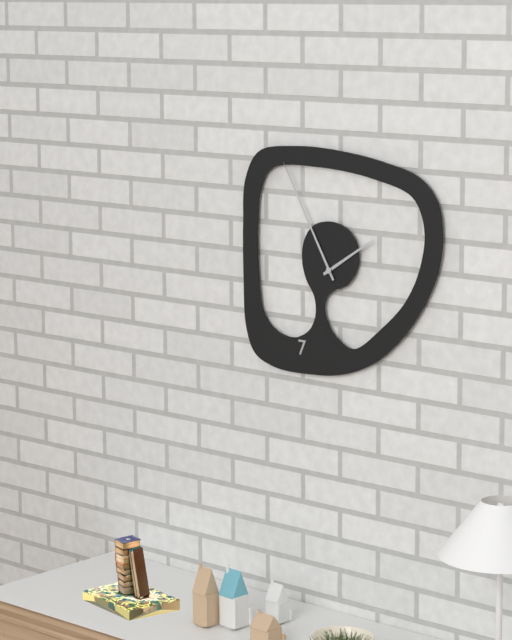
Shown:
1 h 55 min
